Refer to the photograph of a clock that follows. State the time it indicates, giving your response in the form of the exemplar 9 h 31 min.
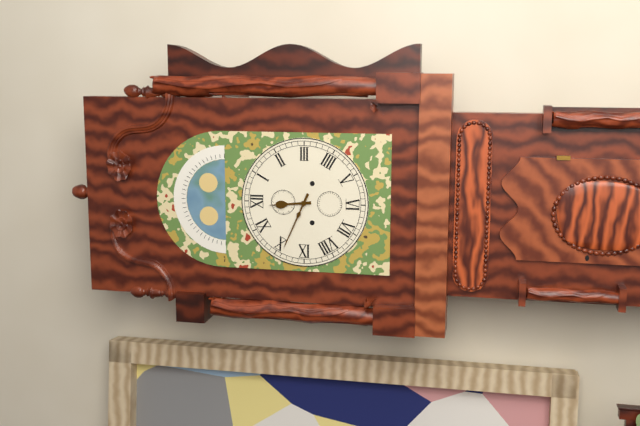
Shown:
11 h 49 min
